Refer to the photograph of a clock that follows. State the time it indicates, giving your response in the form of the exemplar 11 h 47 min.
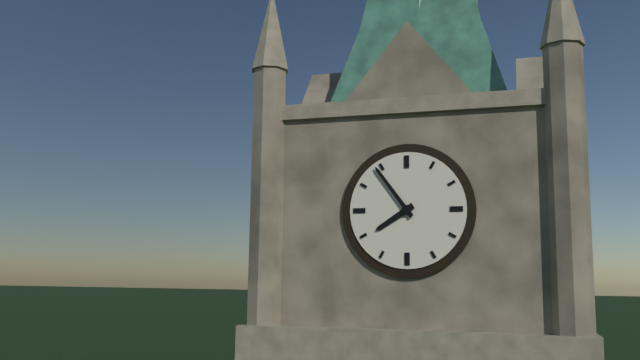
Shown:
7 h 54 min
